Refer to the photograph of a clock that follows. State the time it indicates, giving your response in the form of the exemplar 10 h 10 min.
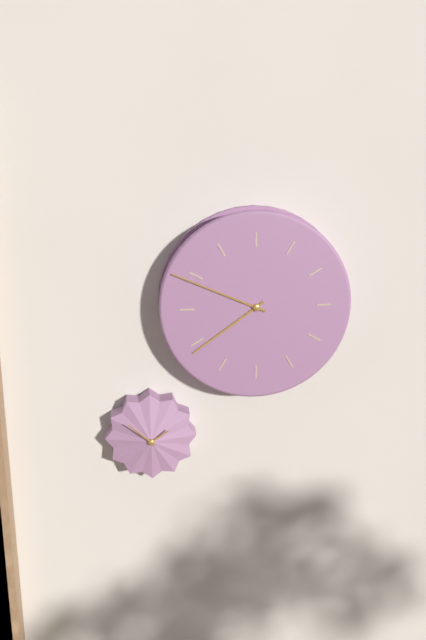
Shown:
7 h 49 min
